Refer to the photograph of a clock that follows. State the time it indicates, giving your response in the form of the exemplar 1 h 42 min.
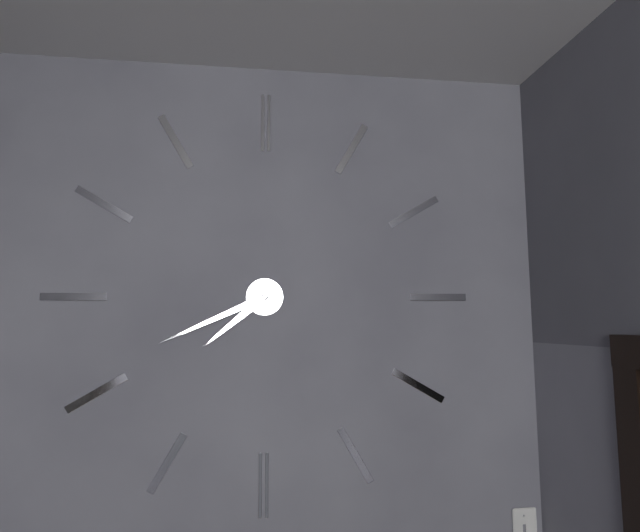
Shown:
7 h 41 min
